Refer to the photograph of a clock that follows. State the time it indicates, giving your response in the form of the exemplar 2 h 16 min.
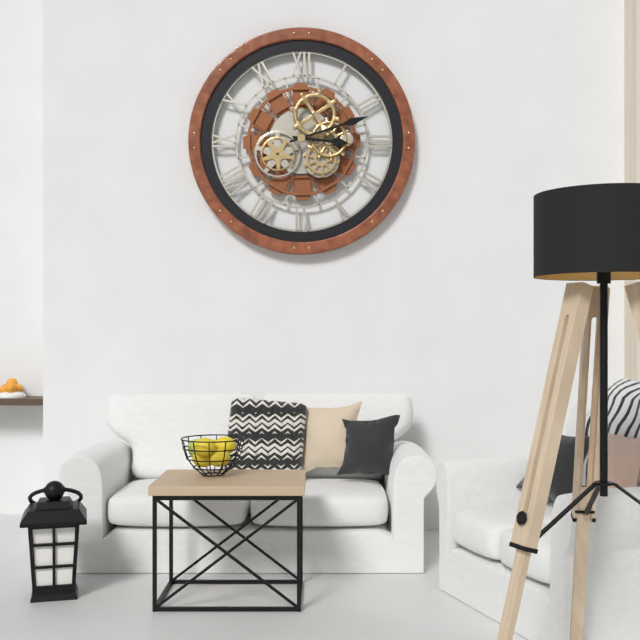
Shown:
3 h 12 min
